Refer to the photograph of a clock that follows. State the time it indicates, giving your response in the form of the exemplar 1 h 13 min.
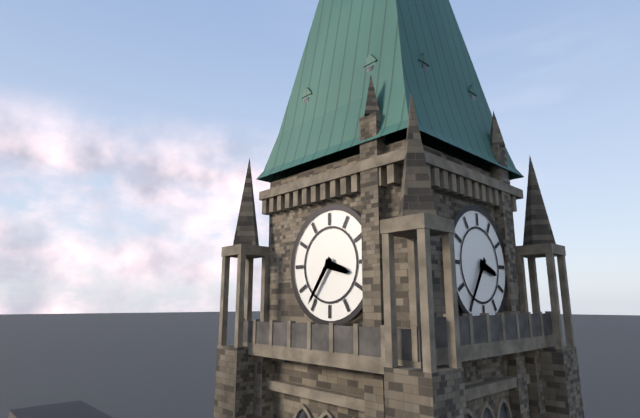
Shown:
3 h 36 min
